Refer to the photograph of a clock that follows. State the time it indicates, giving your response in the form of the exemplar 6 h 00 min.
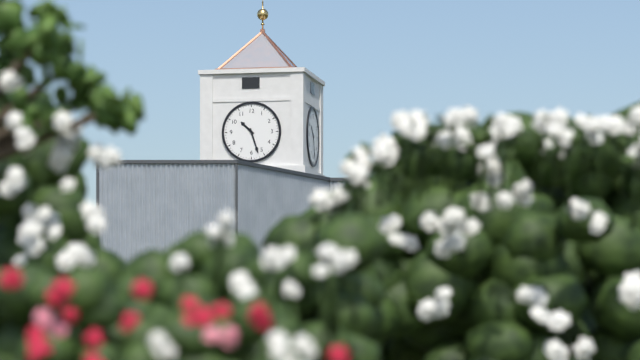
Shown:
10 h 27 min
